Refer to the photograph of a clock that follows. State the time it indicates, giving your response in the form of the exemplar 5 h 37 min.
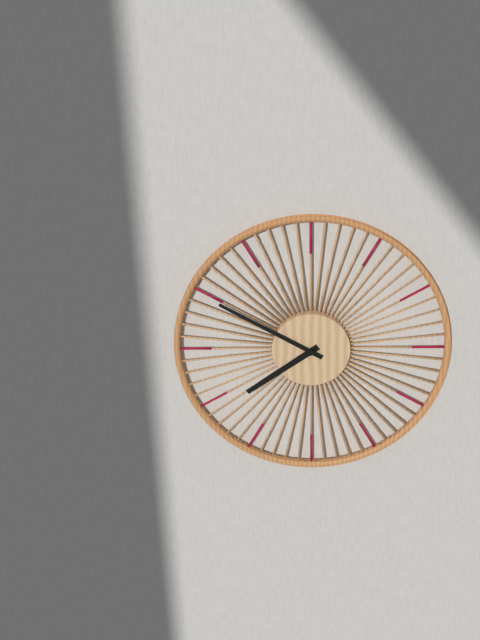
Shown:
7 h 50 min
